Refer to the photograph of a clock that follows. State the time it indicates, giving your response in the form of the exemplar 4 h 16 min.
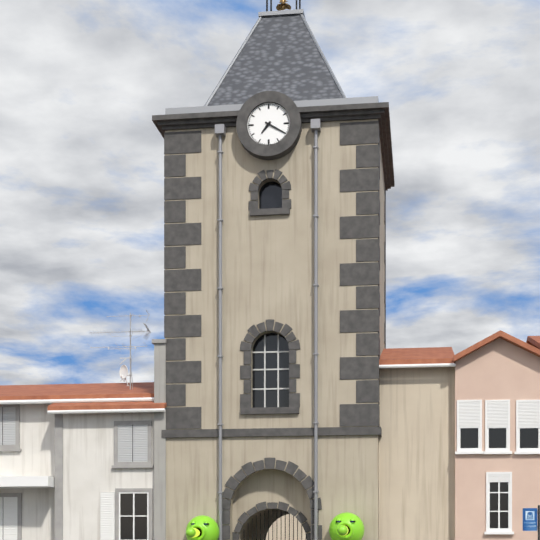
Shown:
7 h 20 min
